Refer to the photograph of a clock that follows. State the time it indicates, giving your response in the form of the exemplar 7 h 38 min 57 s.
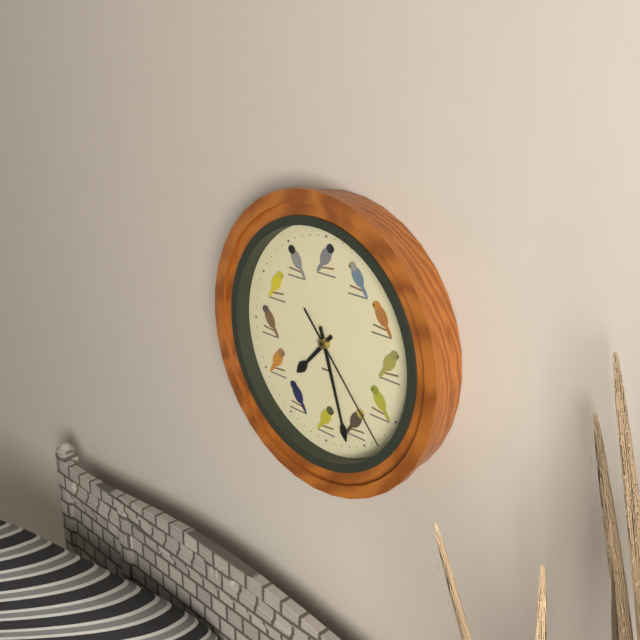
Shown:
7 h 27 min 23 s
